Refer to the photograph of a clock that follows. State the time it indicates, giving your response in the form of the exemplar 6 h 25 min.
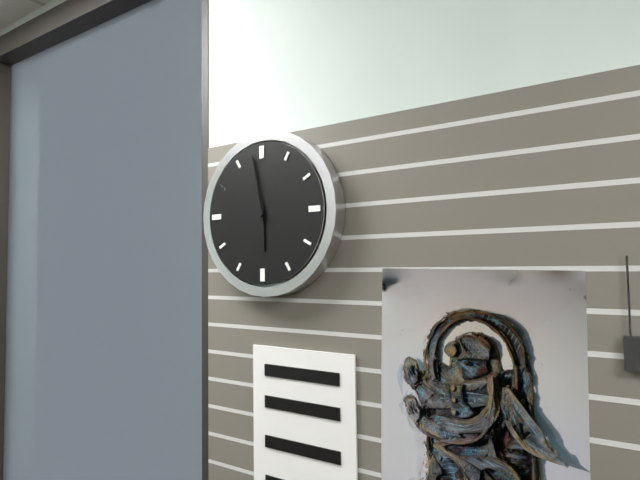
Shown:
5 h 58 min
